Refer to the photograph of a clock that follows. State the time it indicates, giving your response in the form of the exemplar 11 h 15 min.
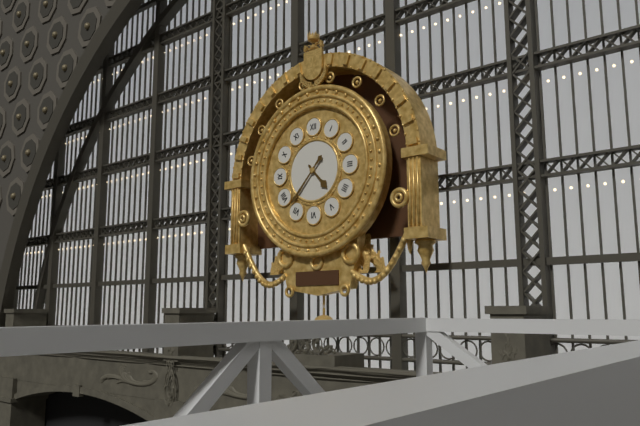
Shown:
4 h 37 min
